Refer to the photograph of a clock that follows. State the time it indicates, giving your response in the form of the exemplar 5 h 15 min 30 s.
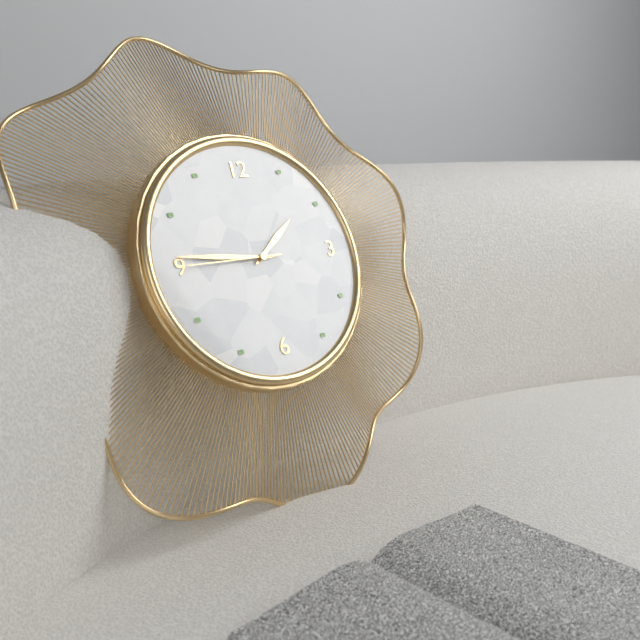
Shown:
1 h 46 min 45 s
